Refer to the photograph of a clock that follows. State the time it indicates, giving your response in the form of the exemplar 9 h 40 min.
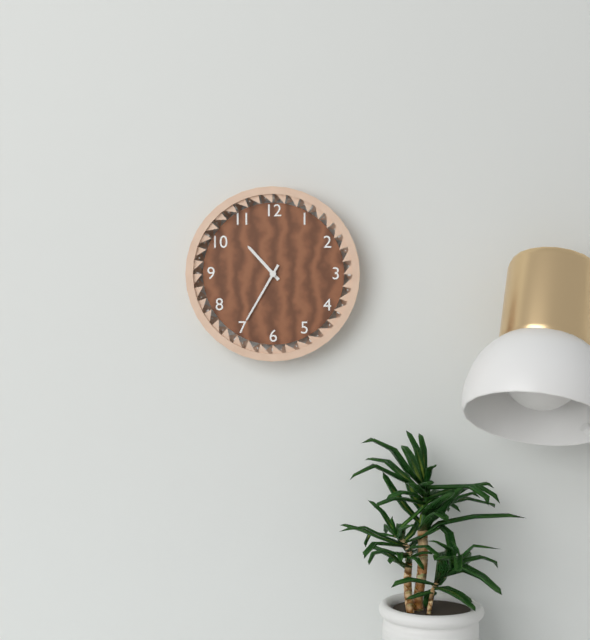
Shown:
10 h 35 min
